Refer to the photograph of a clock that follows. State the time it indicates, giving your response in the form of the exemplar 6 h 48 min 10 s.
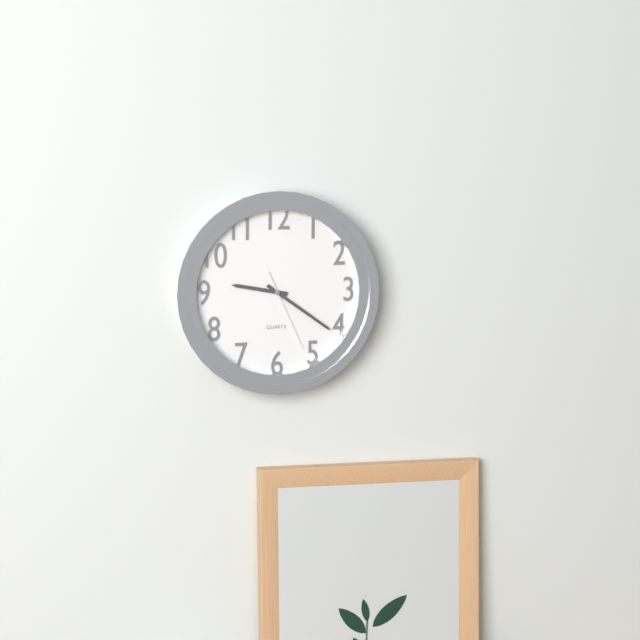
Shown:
9 h 21 min 26 s
